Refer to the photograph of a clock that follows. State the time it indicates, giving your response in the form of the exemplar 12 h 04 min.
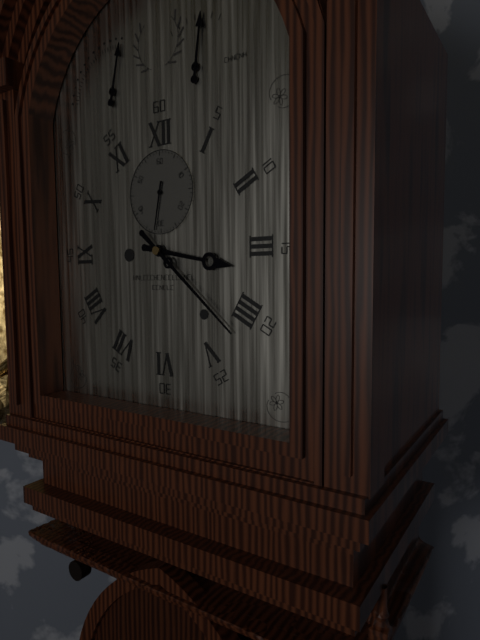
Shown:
3 h 22 min
